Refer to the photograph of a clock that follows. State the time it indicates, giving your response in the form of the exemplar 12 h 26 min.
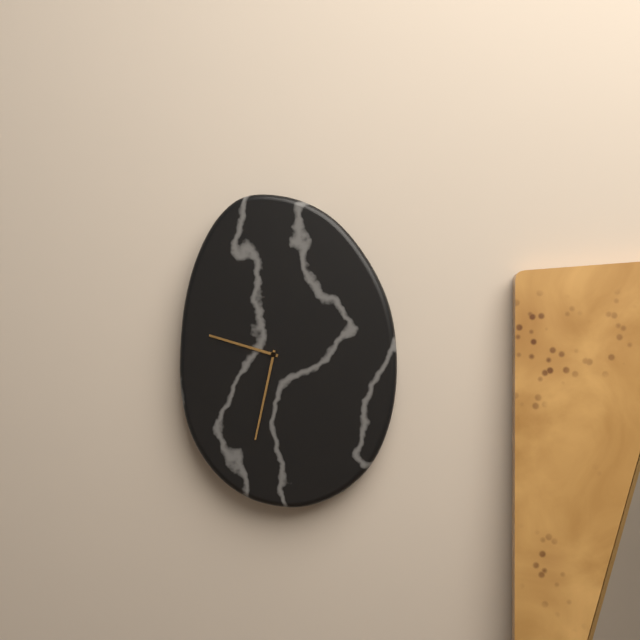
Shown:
9 h 32 min
